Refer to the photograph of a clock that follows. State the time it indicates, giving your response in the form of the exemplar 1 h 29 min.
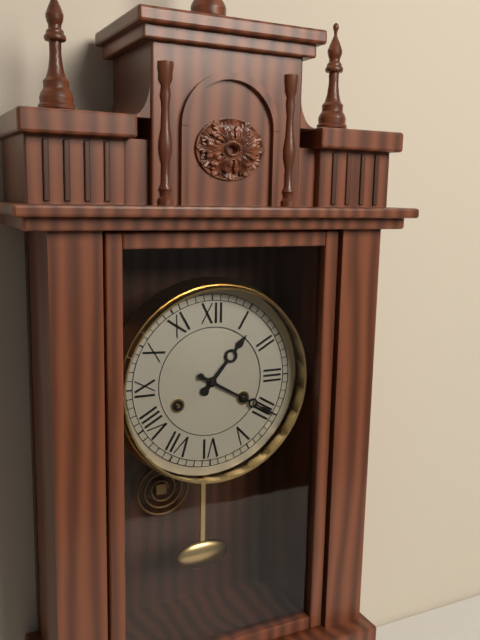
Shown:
1 h 20 min
